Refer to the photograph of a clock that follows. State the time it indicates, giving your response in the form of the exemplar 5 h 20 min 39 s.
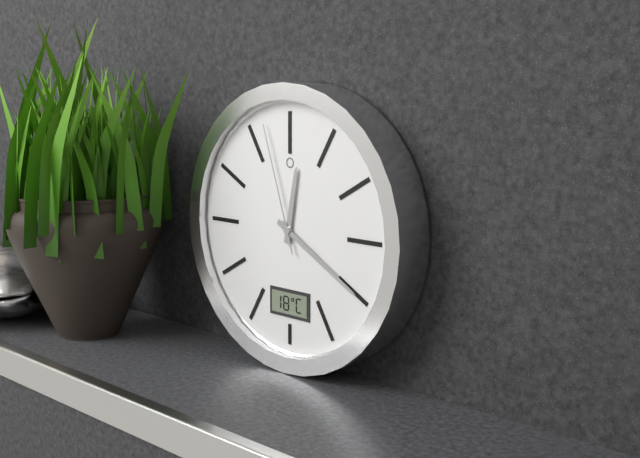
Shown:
12 h 20 min 57 s
